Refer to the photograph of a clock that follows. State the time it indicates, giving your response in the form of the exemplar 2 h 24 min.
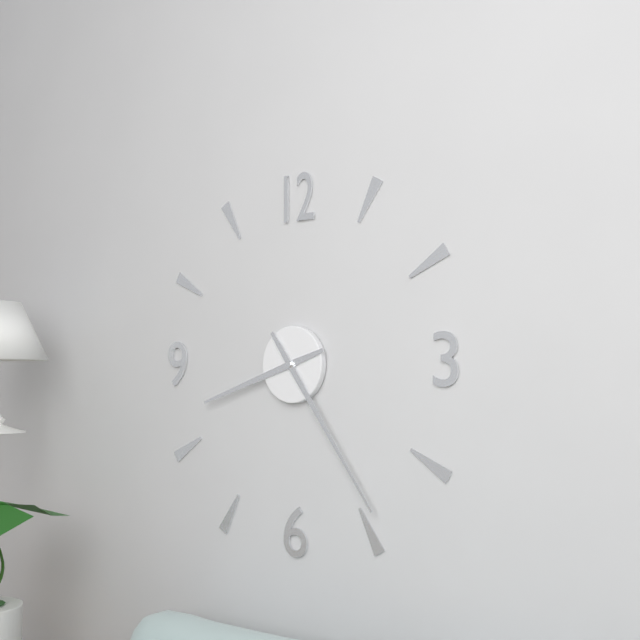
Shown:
8 h 24 min
